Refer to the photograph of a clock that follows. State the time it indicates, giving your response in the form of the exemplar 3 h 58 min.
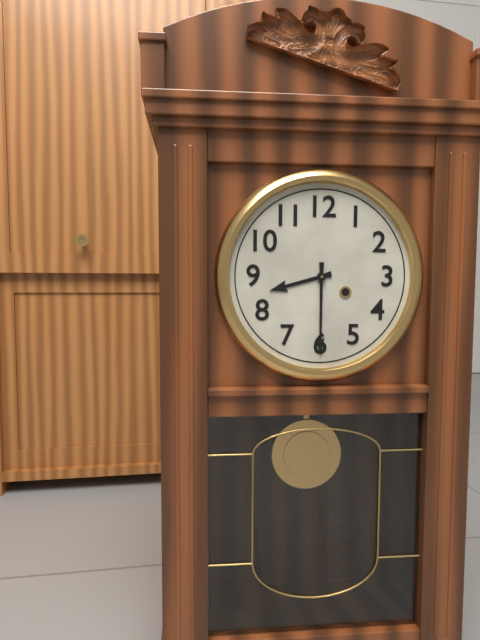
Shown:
8 h 30 min
